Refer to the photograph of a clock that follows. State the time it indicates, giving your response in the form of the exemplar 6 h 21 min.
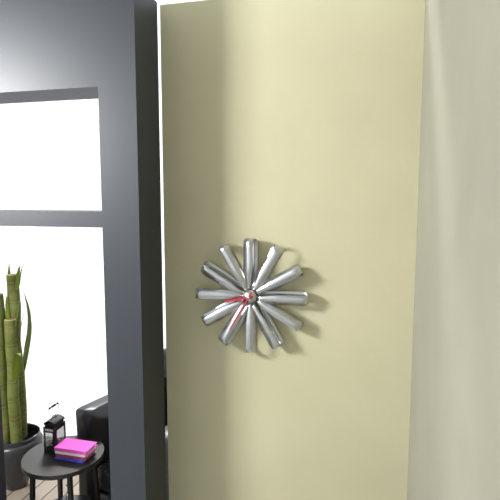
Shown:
8 h 35 min
